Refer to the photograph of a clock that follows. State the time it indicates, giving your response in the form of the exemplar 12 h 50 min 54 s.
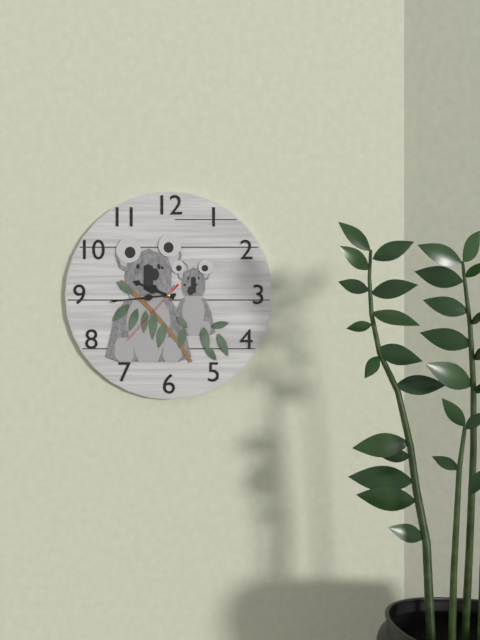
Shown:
9 h 44 min 37 s
